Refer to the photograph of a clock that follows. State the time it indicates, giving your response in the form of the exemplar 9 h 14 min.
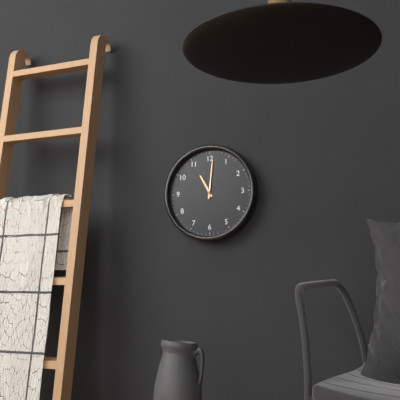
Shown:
11 h 01 min
